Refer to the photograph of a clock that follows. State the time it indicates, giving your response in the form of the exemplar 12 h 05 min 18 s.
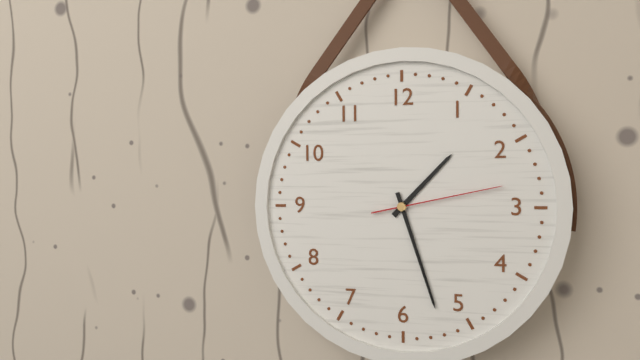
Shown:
1 h 27 min 13 s
